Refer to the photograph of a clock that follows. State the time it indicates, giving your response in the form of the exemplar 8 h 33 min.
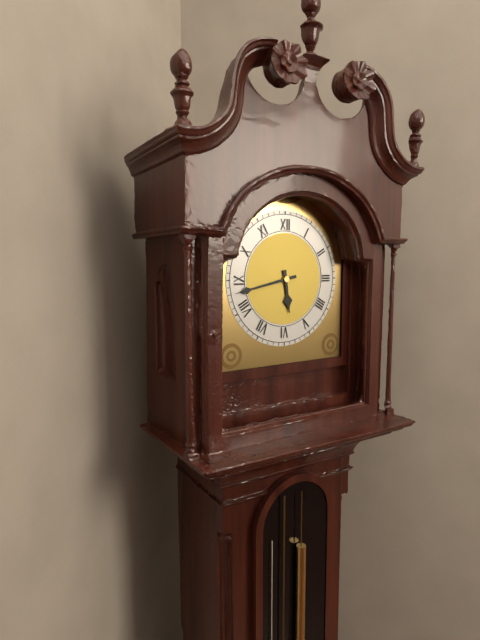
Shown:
5 h 43 min
